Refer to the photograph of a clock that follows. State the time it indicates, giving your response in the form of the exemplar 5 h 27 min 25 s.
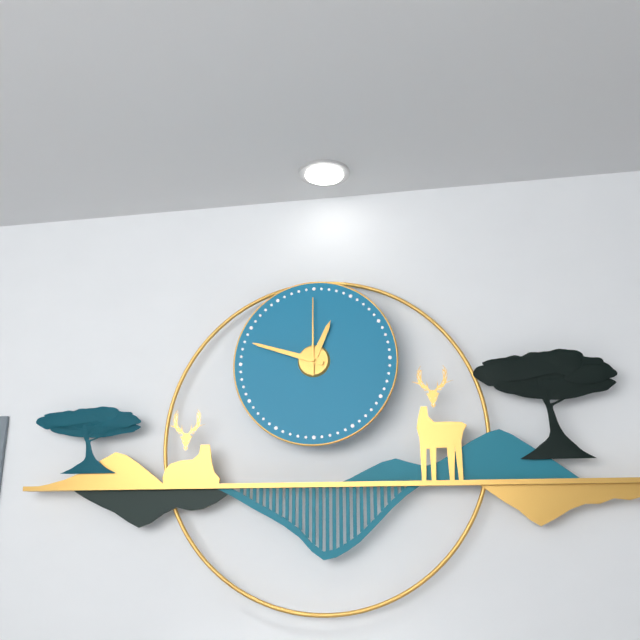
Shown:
12 h 48 min 00 s
